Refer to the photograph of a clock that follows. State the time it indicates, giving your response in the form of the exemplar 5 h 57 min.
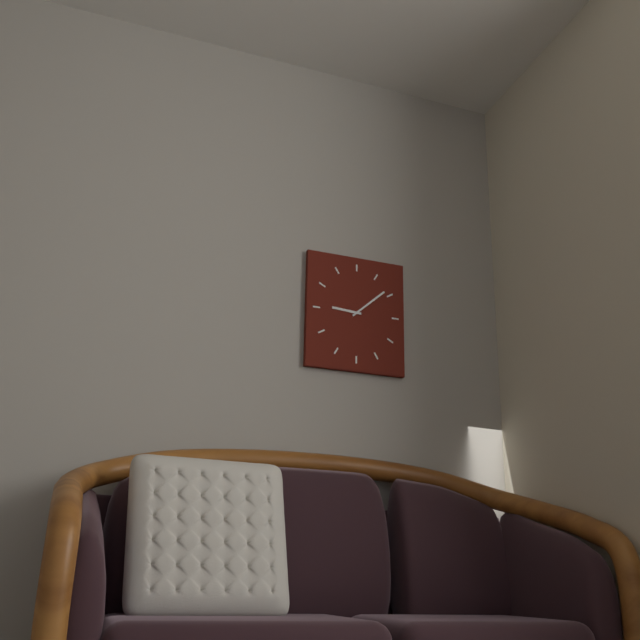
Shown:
9 h 08 min
